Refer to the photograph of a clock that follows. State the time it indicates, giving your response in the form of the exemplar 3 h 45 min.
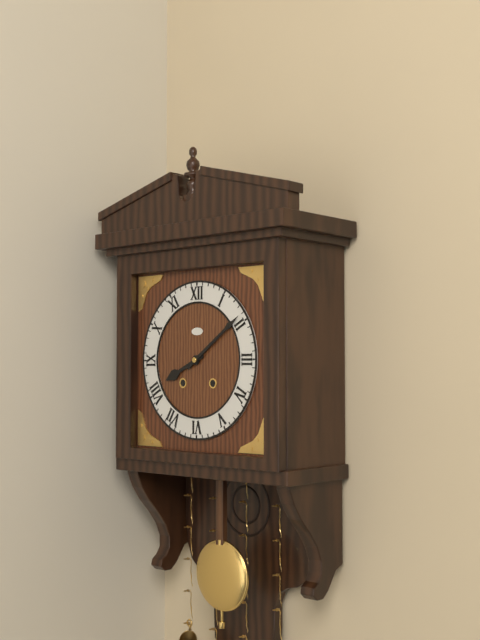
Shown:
8 h 09 min
